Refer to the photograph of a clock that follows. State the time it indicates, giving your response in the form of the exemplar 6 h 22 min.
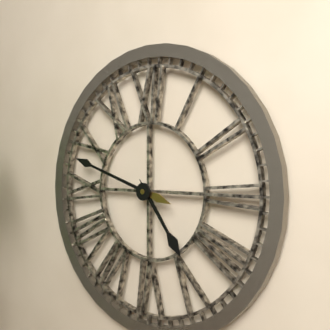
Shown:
4 h 48 min
